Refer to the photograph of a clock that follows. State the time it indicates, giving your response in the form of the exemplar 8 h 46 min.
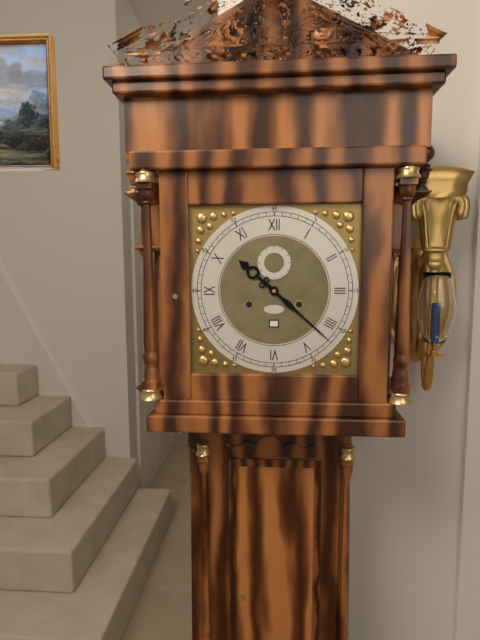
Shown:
10 h 22 min
